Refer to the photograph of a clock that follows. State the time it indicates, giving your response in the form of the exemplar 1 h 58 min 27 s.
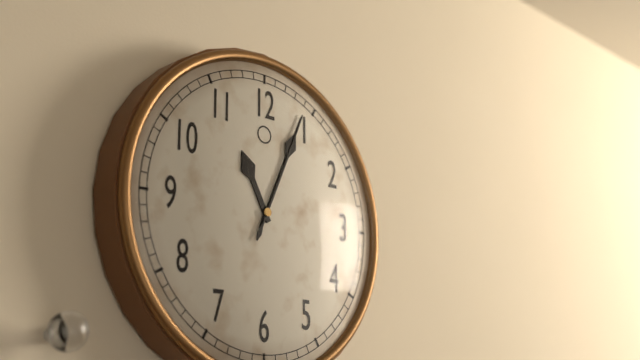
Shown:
11 h 04 min 04 s
